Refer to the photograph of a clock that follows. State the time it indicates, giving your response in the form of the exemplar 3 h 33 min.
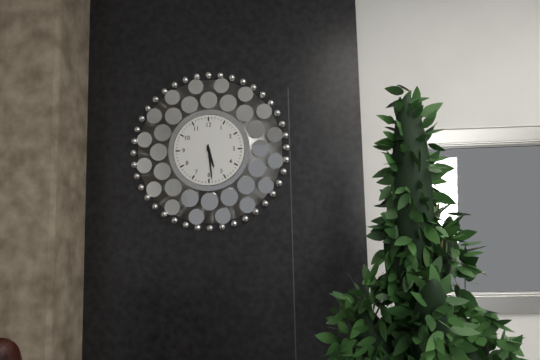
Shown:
5 h 29 min
